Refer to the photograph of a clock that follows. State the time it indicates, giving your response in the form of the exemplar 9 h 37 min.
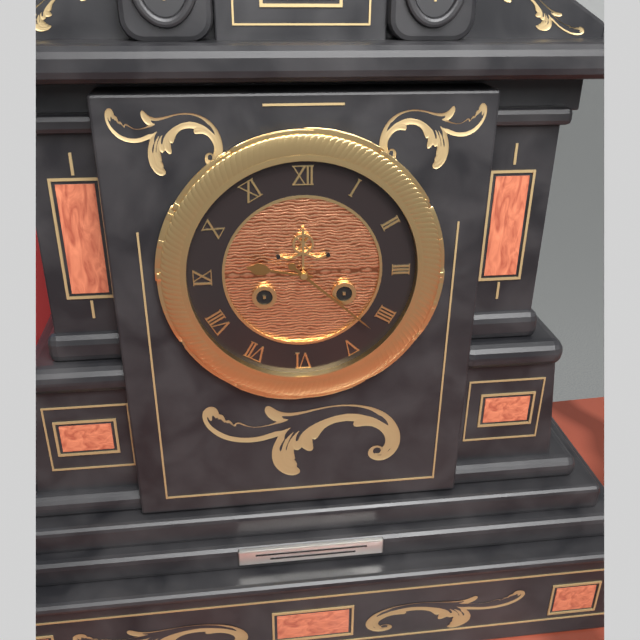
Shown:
9 h 22 min
